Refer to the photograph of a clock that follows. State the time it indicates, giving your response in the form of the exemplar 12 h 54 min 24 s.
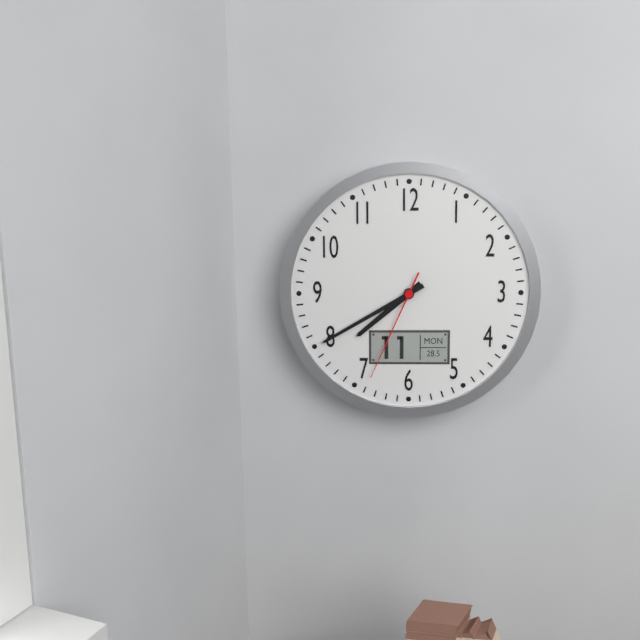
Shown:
7 h 40 min 34 s
